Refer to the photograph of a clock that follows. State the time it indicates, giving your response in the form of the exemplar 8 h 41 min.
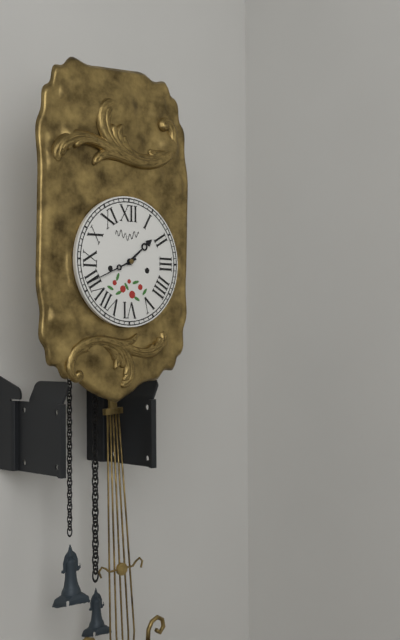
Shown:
1 h 41 min
